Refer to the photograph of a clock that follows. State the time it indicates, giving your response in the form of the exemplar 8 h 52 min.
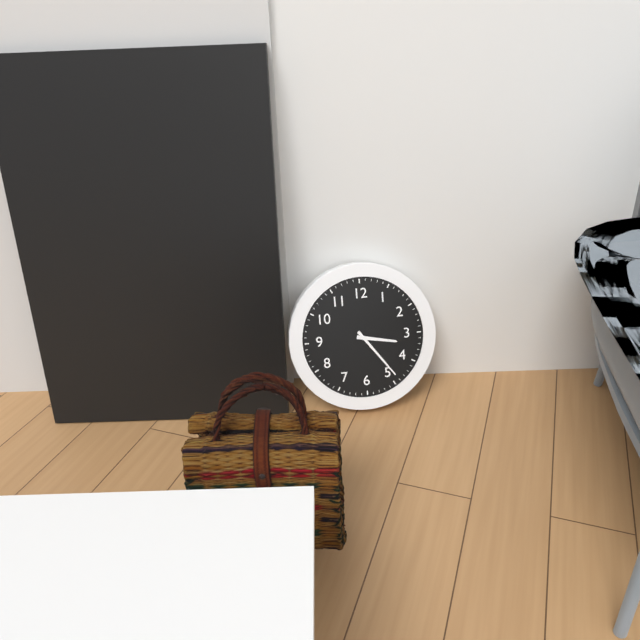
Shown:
3 h 24 min
